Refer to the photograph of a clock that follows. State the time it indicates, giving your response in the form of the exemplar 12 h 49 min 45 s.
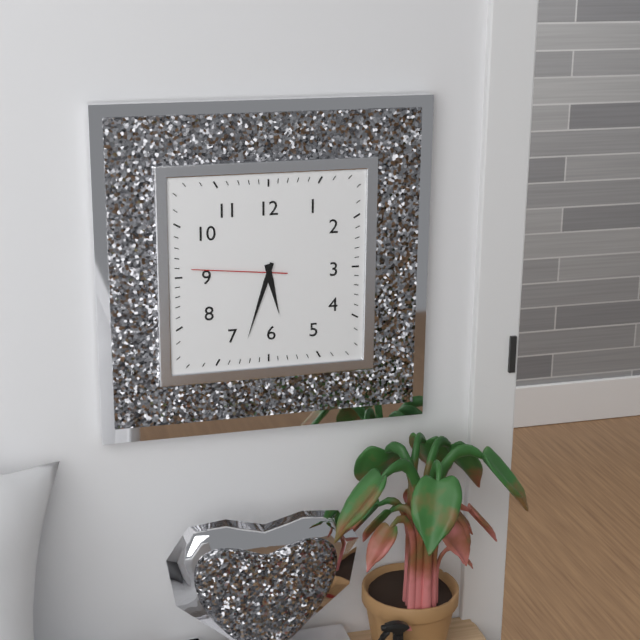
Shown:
5 h 33 min 46 s
